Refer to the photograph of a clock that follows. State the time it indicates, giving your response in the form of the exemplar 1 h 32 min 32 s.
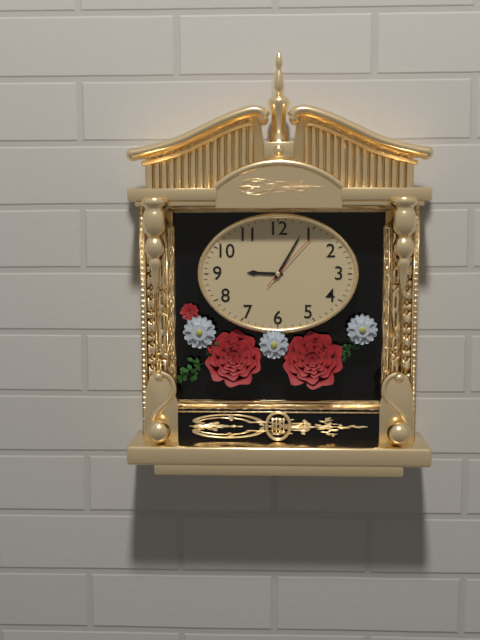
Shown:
9 h 05 min 07 s
